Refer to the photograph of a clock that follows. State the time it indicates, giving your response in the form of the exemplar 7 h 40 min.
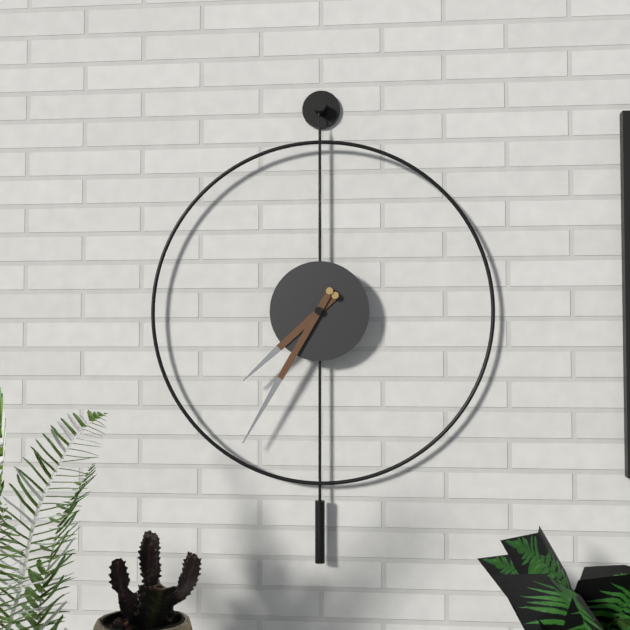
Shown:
7 h 35 min
